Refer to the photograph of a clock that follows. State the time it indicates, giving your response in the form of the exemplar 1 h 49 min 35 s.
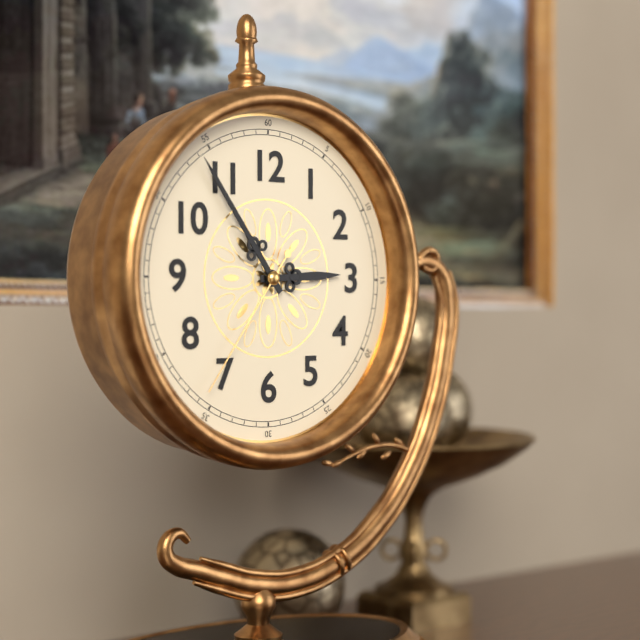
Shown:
2 h 54 min 36 s
